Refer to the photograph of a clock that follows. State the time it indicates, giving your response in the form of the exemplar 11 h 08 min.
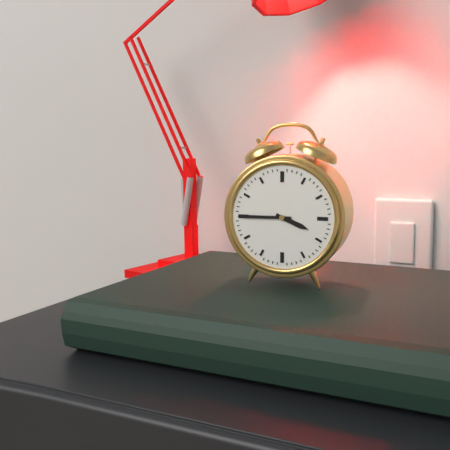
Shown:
3 h 45 min
